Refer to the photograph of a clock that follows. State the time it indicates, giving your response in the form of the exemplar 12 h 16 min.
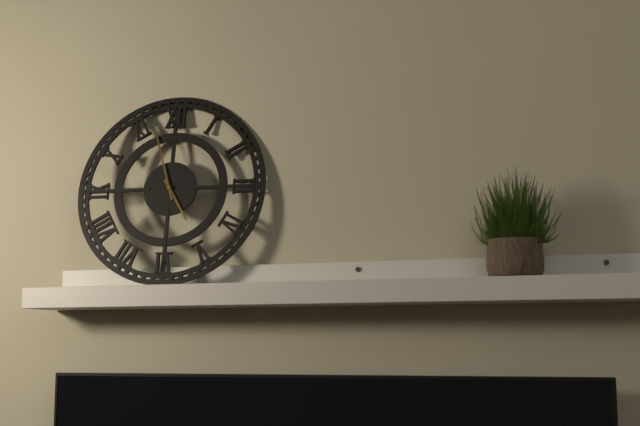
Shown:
4 h 57 min
